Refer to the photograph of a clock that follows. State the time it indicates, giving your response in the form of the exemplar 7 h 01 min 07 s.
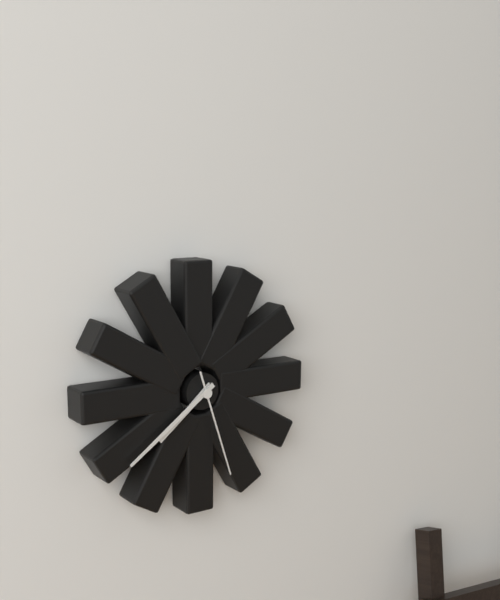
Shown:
7 h 39 min 27 s
